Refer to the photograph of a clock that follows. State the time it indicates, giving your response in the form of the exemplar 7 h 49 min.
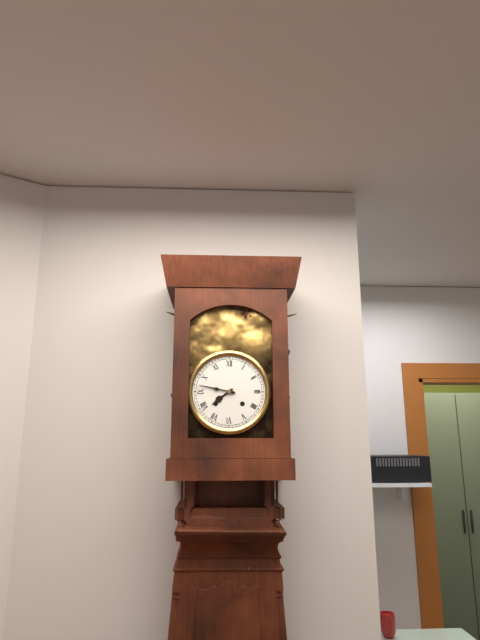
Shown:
7 h 47 min
